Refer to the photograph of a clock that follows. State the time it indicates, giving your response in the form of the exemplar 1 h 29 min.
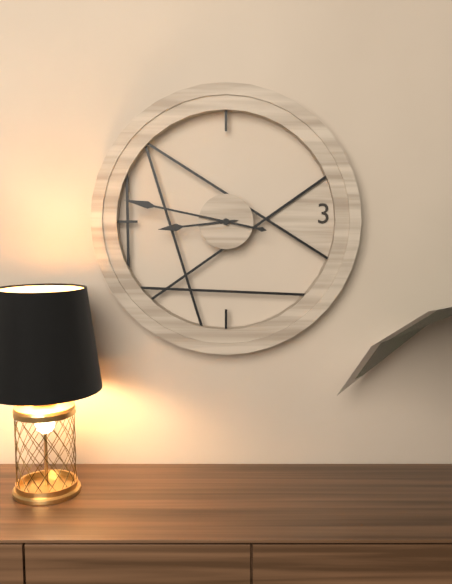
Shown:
8 h 47 min
